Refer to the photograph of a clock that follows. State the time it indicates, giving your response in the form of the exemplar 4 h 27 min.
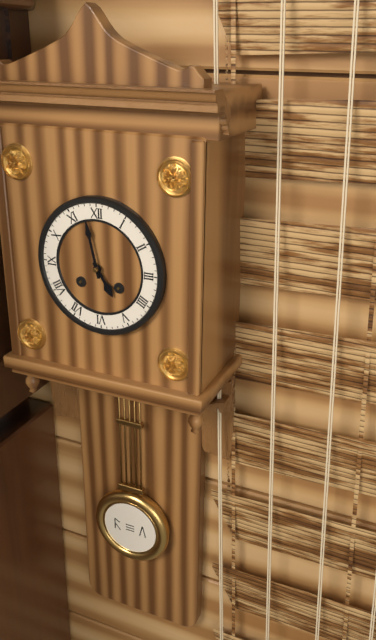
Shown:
4 h 58 min
